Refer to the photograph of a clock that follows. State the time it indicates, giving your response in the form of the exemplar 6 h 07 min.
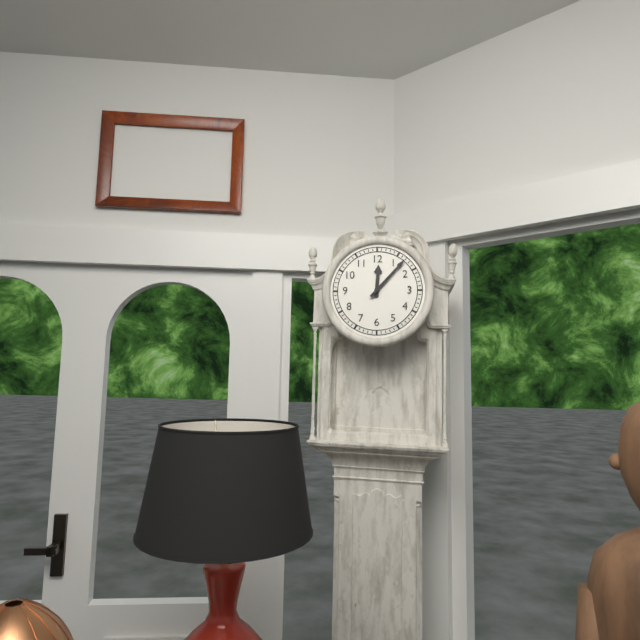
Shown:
12 h 07 min
